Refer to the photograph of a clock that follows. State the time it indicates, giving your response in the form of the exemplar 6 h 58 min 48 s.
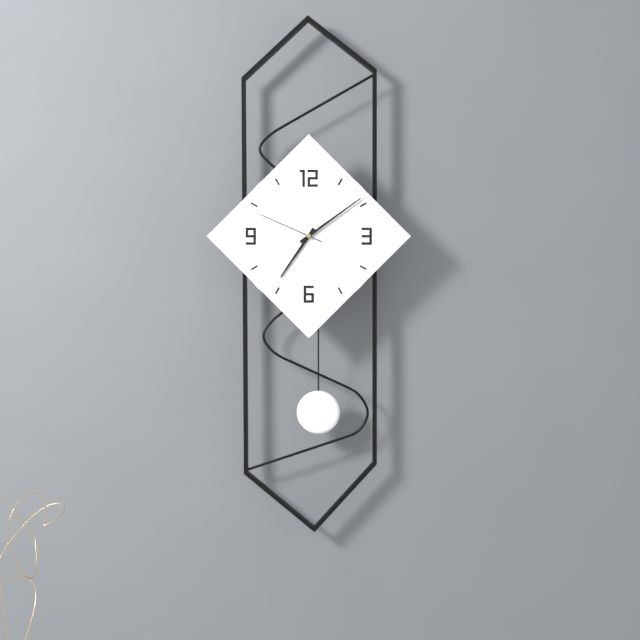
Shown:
7 h 09 min 49 s
